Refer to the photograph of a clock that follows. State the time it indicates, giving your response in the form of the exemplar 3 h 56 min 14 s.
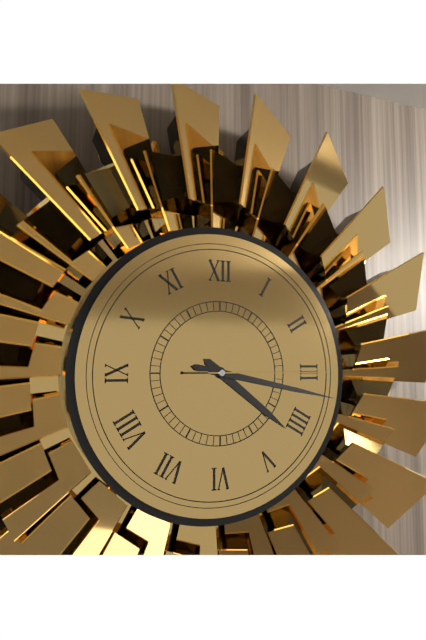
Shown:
4 h 17 min 15 s
